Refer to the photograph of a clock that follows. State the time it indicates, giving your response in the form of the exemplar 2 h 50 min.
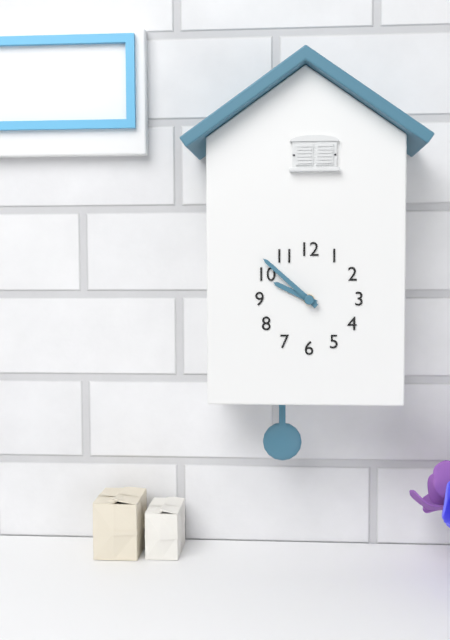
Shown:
9 h 52 min
